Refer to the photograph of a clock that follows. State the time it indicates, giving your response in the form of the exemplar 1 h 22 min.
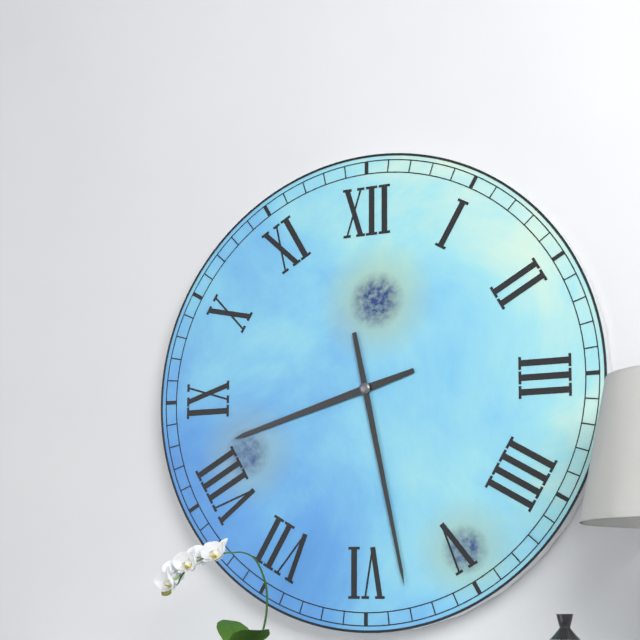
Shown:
8 h 28 min
